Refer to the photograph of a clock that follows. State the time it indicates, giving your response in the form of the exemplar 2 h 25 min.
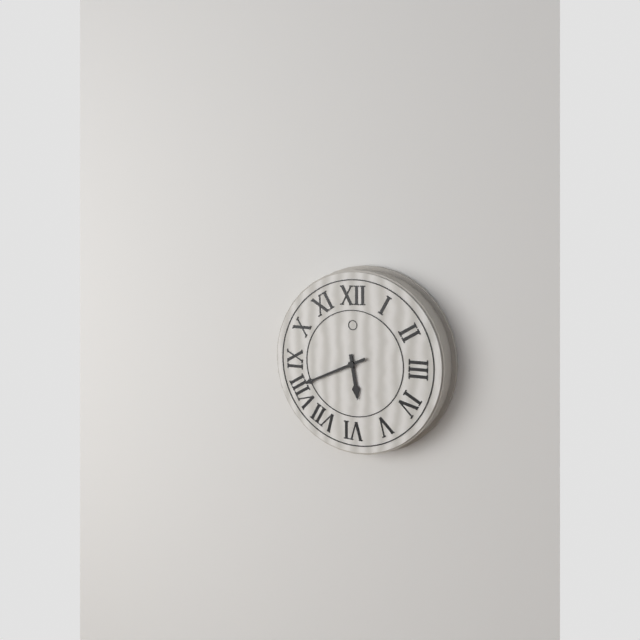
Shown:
5 h 41 min
